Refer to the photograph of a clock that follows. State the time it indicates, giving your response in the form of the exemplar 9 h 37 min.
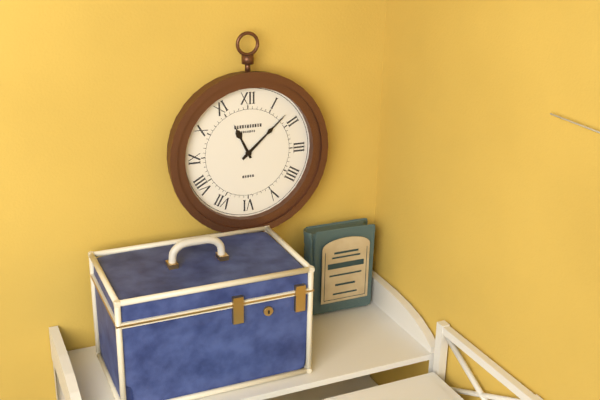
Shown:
11 h 08 min
